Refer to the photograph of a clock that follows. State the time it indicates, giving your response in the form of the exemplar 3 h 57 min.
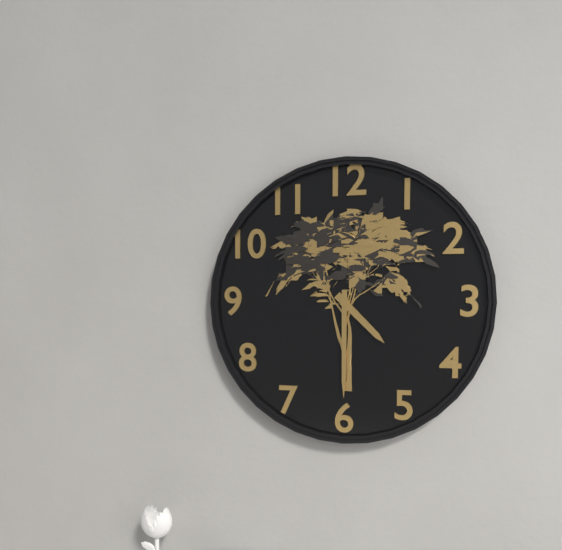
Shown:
4 h 30 min
